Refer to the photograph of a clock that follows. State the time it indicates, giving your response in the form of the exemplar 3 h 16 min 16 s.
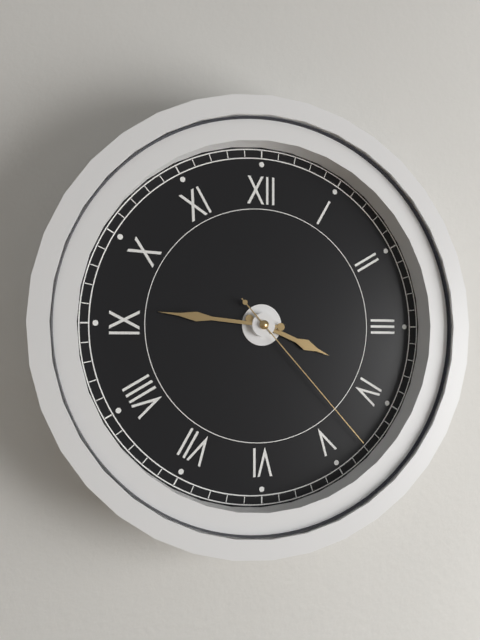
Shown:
3 h 46 min 23 s
